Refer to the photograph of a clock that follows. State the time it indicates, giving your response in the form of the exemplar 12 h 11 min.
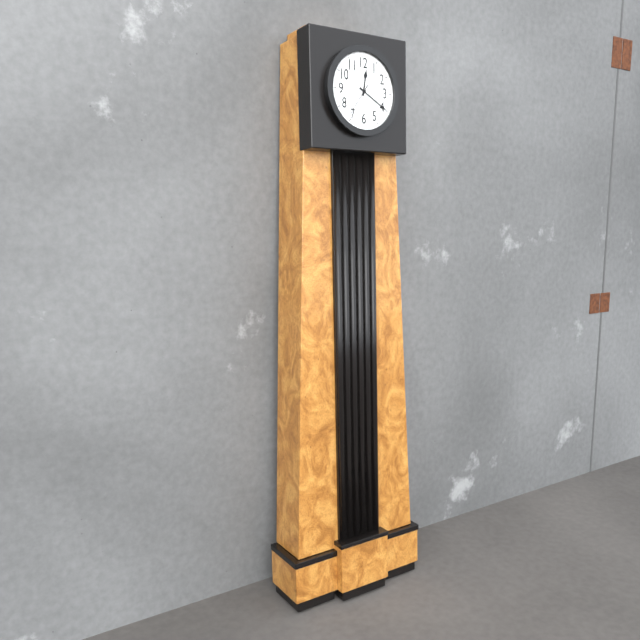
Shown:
12 h 20 min
